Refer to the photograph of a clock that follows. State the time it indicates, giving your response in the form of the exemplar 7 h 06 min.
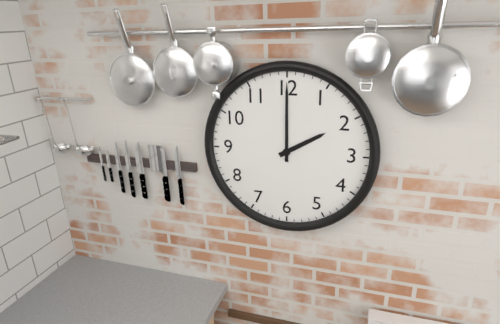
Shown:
2 h 00 min
